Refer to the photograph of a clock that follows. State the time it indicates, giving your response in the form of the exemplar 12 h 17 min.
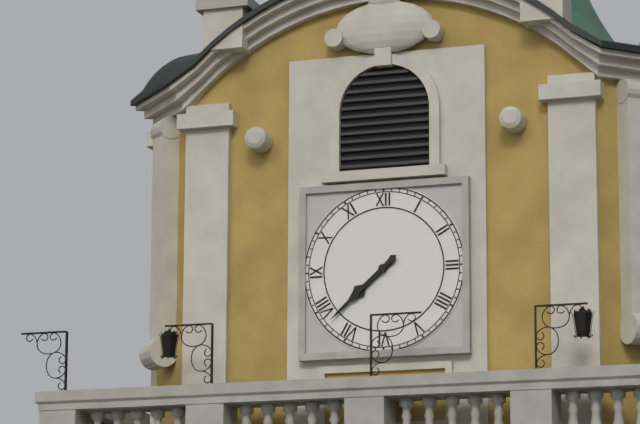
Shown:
7 h 38 min
